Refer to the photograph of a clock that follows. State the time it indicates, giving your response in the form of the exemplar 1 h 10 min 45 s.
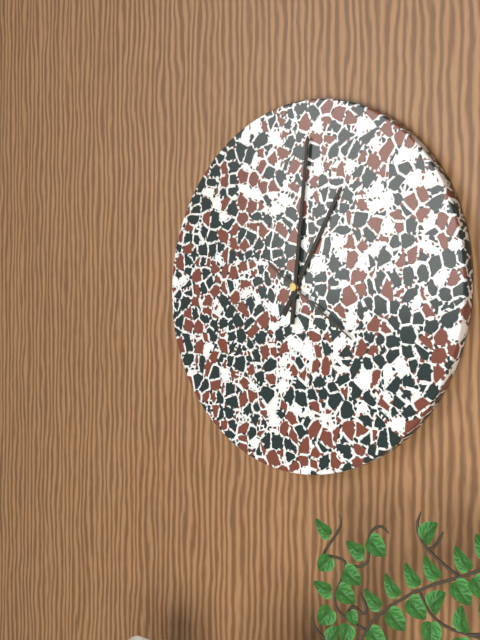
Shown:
1 h 01 min 21 s
